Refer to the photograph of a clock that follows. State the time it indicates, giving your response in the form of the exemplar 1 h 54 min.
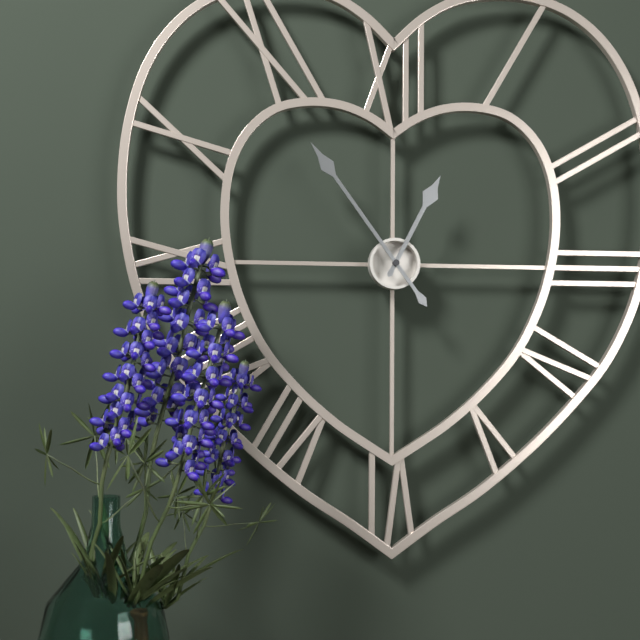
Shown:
12 h 54 min
